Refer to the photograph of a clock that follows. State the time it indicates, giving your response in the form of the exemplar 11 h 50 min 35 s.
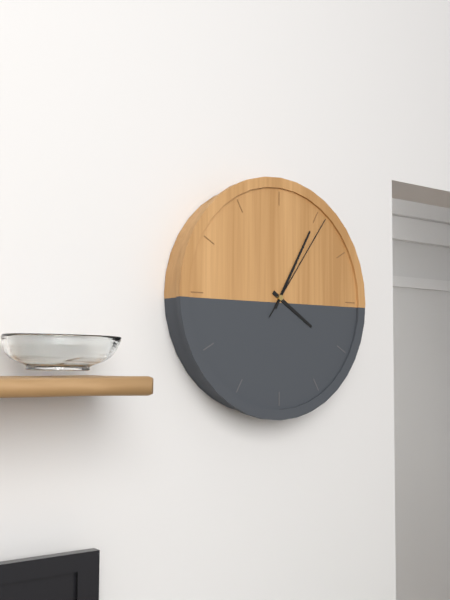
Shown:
4 h 05 min 06 s
